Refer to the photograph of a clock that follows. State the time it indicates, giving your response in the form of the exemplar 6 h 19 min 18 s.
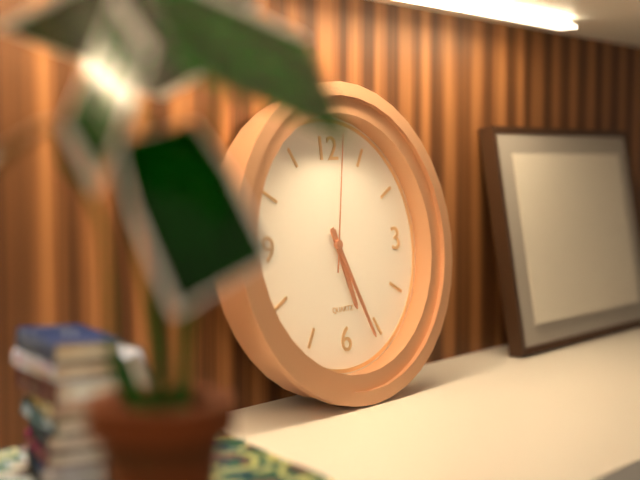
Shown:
5 h 26 min 02 s
